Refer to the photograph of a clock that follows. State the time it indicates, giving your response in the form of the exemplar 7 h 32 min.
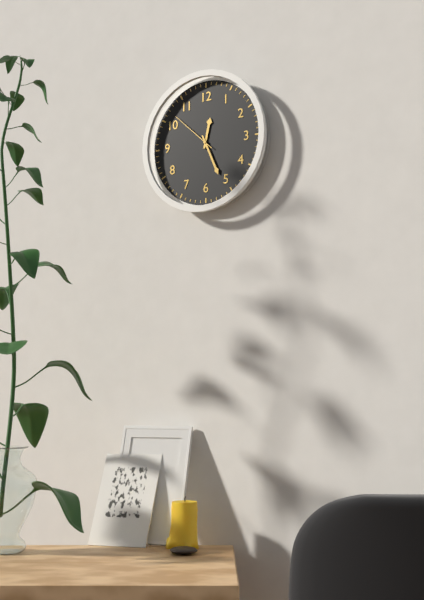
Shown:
12 h 26 min
